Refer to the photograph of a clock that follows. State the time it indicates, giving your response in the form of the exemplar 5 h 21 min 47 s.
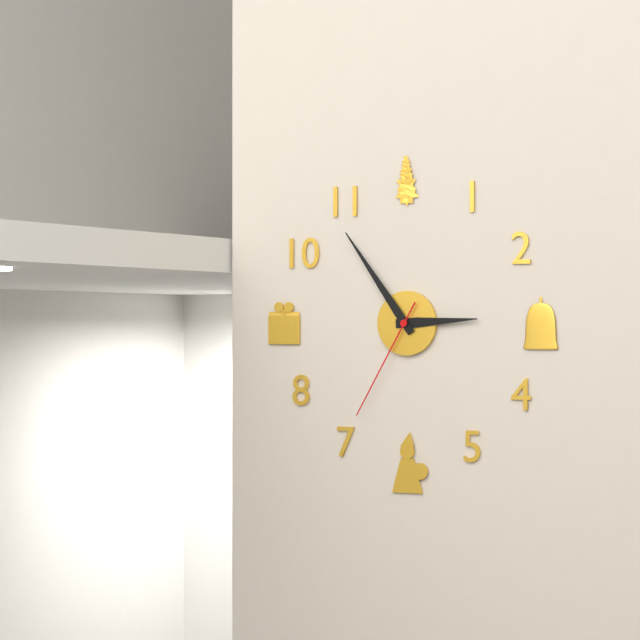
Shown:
2 h 54 min 35 s
